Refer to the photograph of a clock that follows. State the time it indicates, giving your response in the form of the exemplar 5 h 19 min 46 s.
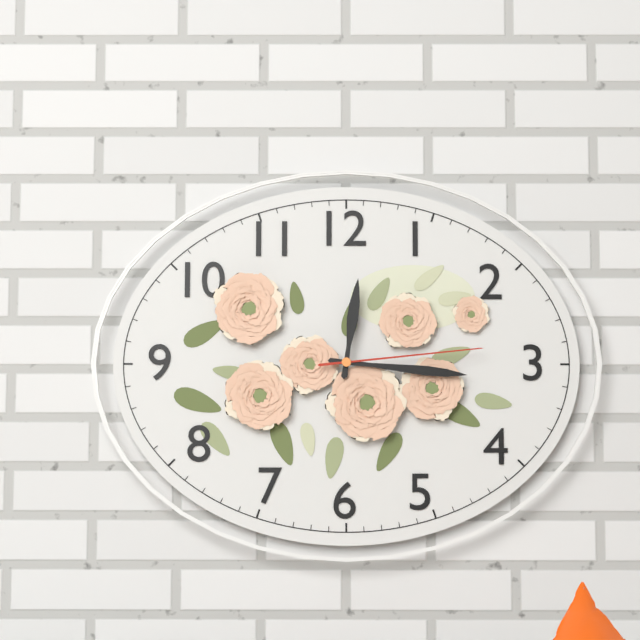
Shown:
12 h 16 min 14 s
